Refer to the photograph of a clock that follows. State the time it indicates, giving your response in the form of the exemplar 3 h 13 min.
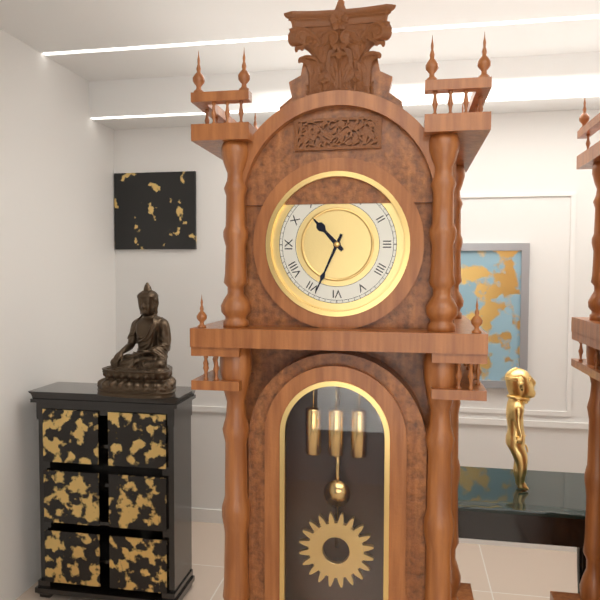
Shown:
10 h 34 min
